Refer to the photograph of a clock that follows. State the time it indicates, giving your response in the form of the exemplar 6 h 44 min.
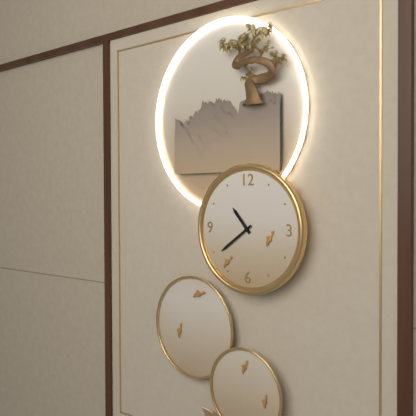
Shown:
10 h 39 min
